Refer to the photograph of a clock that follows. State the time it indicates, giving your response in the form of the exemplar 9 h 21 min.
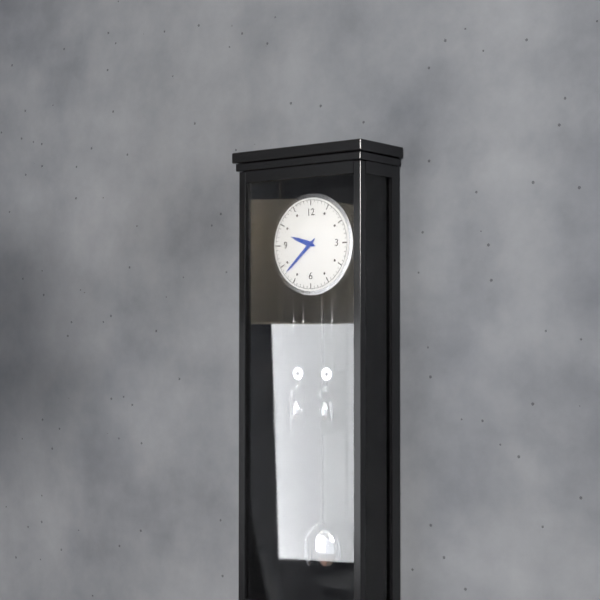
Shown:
9 h 38 min
